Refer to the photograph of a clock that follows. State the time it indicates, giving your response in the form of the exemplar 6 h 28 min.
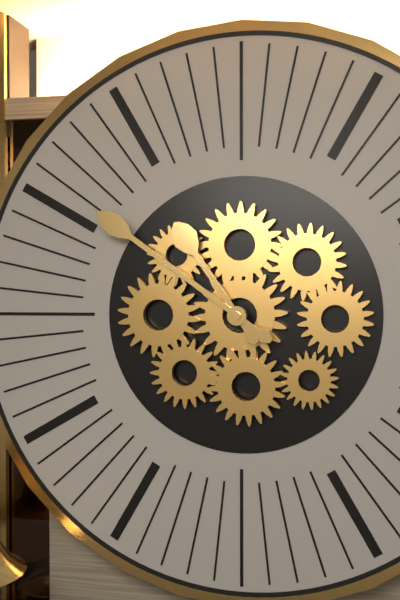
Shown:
10 h 51 min
